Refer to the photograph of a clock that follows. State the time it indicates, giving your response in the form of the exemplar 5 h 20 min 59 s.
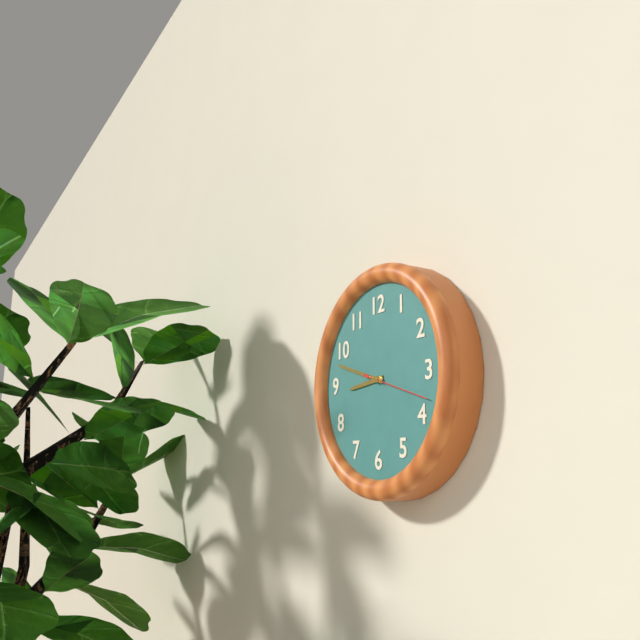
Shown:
8 h 48 min 18 s
